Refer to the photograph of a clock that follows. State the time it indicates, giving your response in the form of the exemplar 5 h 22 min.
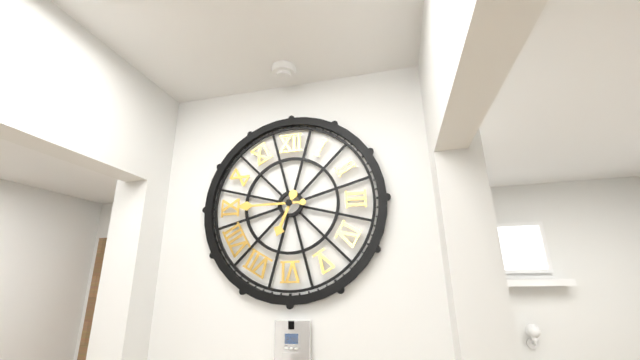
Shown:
6 h 45 min
